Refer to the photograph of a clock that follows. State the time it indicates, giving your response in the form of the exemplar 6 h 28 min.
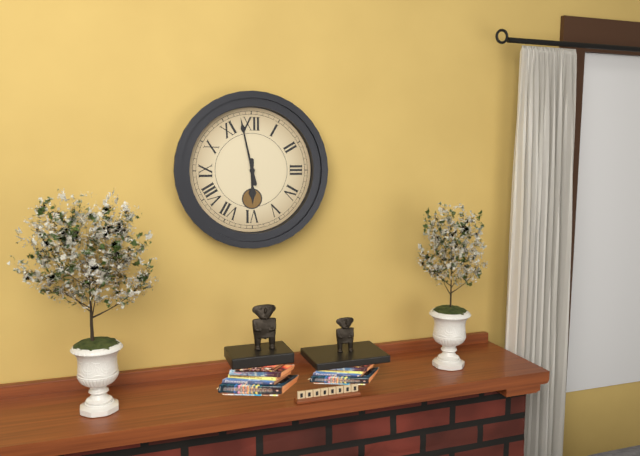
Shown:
5 h 58 min
